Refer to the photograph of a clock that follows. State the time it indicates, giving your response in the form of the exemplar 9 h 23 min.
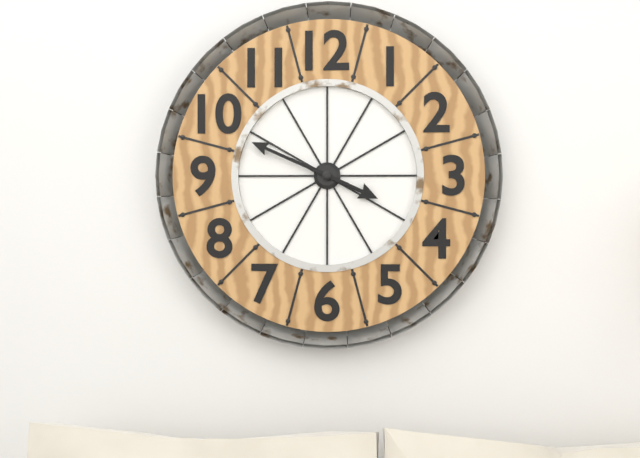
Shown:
3 h 49 min
